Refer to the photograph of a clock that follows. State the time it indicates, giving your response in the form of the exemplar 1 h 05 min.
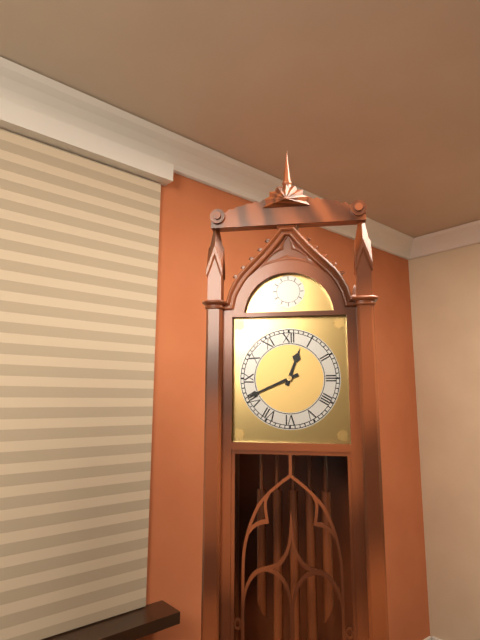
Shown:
12 h 41 min
